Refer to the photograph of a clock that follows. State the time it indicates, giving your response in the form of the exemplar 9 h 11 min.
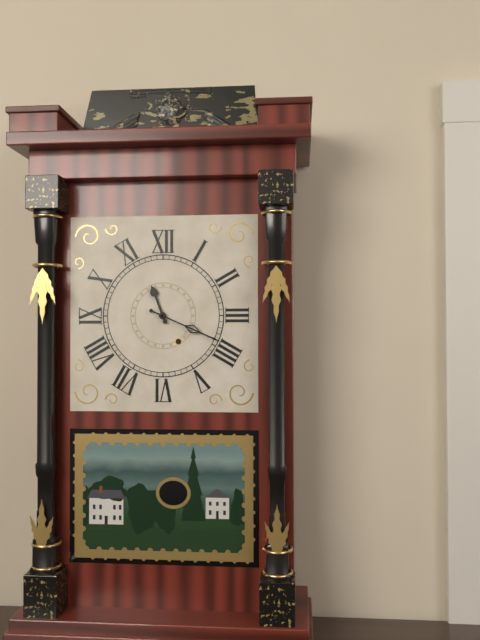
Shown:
11 h 19 min
